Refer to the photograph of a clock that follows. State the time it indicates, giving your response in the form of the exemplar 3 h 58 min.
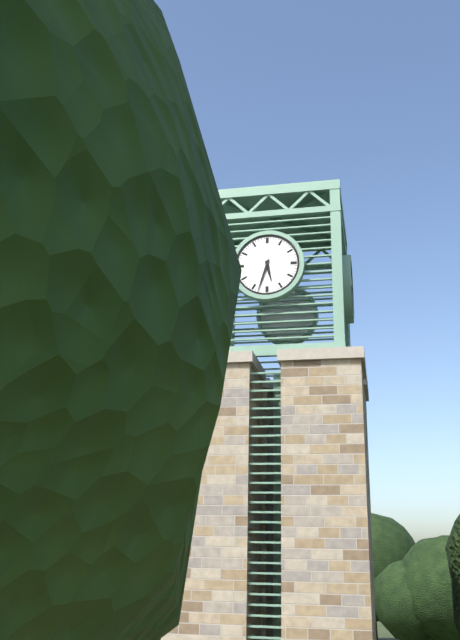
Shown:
5 h 33 min
